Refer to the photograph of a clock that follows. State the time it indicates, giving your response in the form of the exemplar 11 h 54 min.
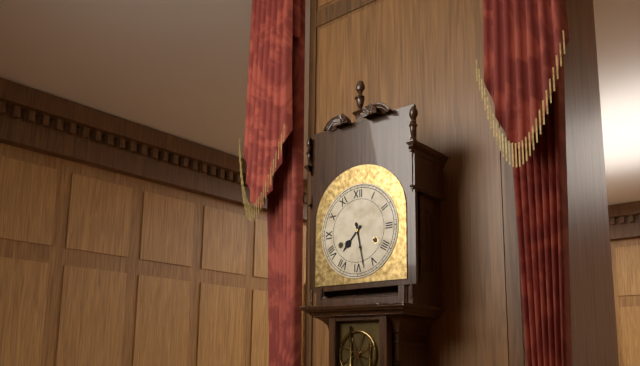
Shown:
7 h 28 min
